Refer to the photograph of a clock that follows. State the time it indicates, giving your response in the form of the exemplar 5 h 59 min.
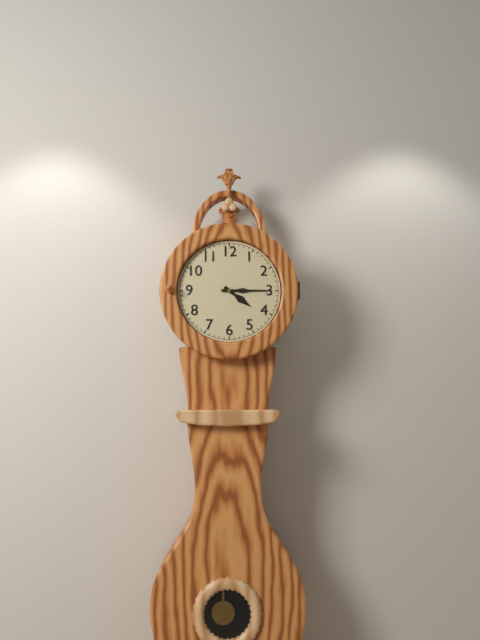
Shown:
4 h 15 min
